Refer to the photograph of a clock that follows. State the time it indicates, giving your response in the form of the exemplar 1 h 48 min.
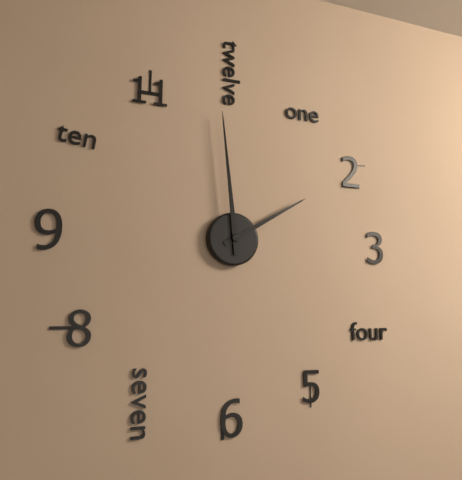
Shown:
1 h 59 min
